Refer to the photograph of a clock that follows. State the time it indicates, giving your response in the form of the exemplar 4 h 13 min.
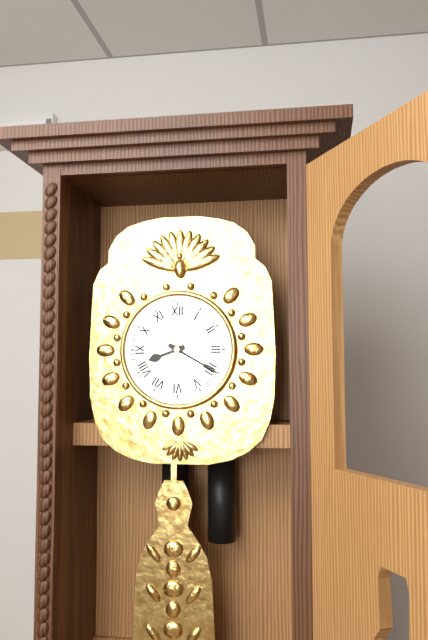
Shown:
8 h 20 min
